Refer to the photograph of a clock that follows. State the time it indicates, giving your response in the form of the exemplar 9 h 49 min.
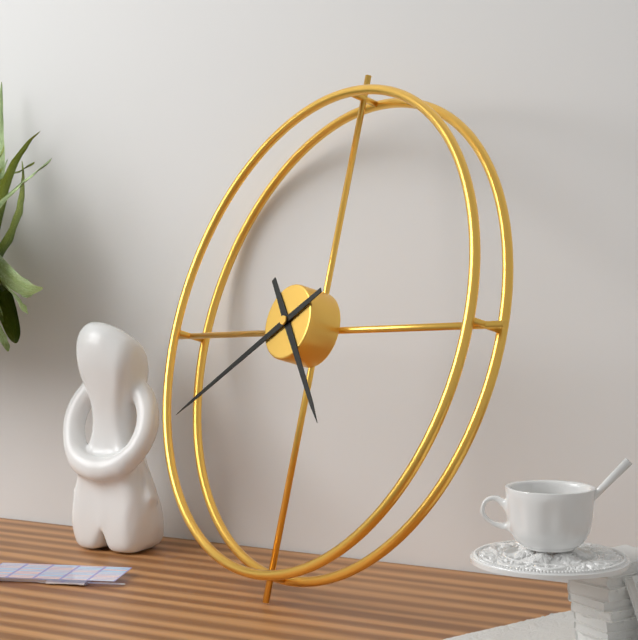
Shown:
4 h 40 min
